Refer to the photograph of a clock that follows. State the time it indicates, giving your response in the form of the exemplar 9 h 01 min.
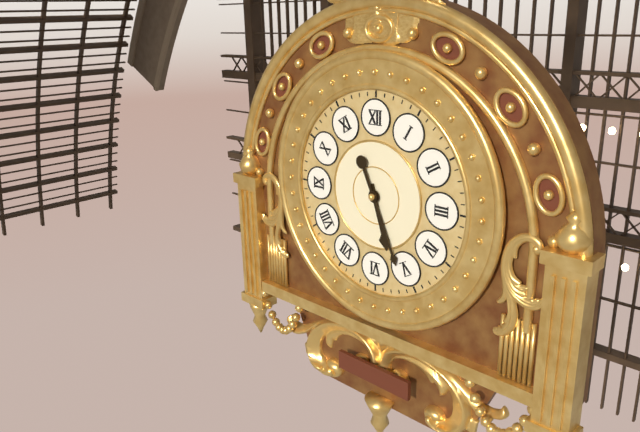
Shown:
5 h 26 min
